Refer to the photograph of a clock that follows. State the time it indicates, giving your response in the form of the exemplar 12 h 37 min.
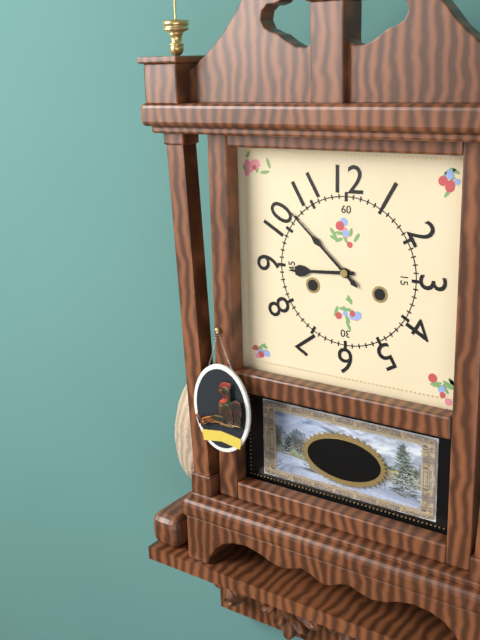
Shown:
8 h 52 min
